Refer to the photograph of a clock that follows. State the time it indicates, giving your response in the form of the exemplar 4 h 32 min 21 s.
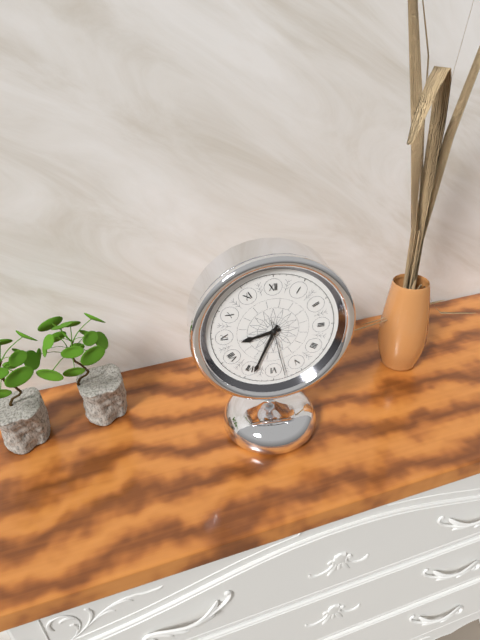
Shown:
8 h 34 min 28 s
